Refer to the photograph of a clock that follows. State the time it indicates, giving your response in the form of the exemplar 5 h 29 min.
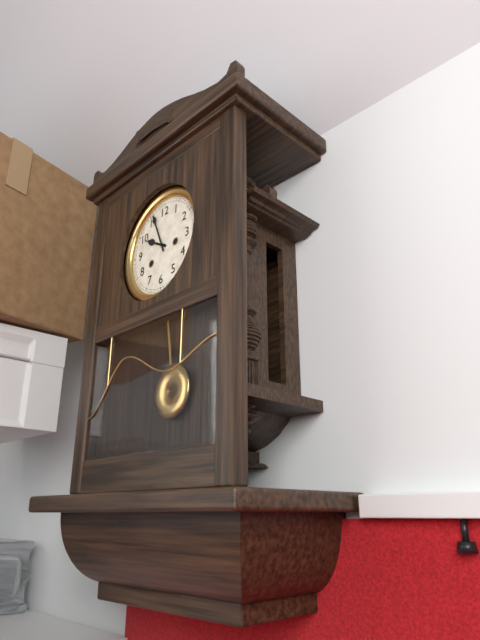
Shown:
9 h 56 min
